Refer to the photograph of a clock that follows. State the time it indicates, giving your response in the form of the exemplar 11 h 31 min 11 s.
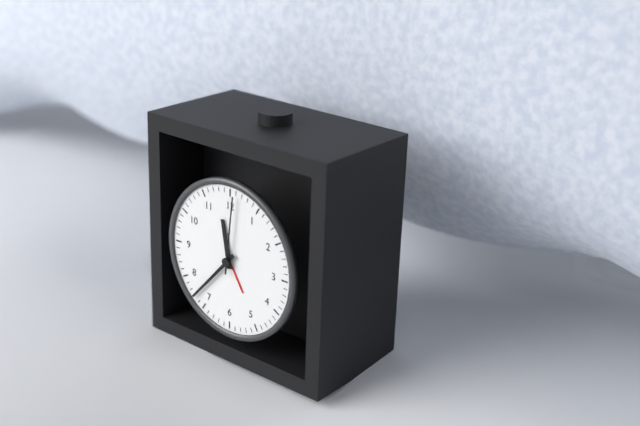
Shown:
11 h 37 min 01 s
